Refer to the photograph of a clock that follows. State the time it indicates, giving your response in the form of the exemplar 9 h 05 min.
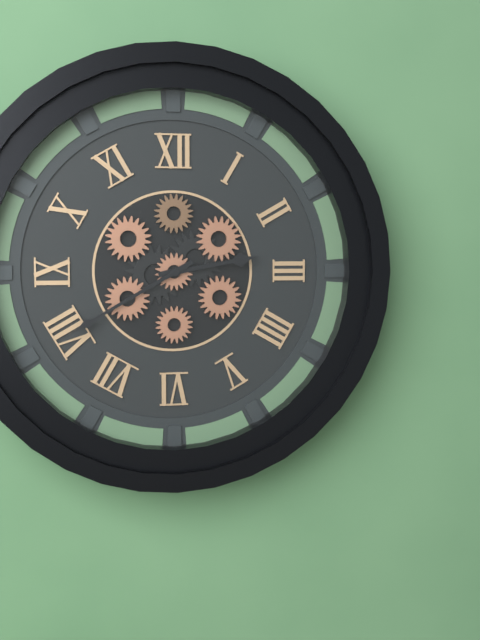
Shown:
2 h 40 min
